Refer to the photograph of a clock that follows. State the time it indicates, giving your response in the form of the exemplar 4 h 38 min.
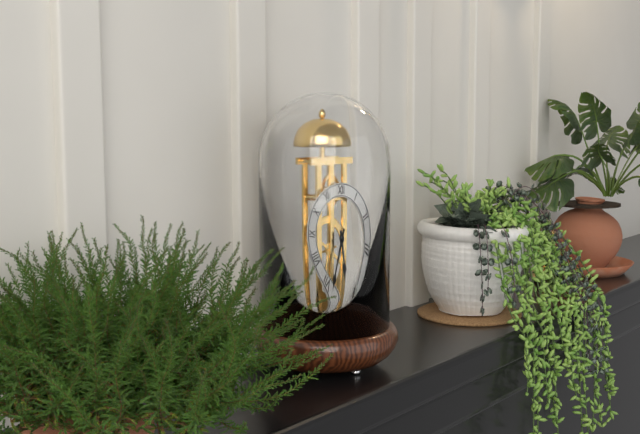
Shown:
5 h 33 min
